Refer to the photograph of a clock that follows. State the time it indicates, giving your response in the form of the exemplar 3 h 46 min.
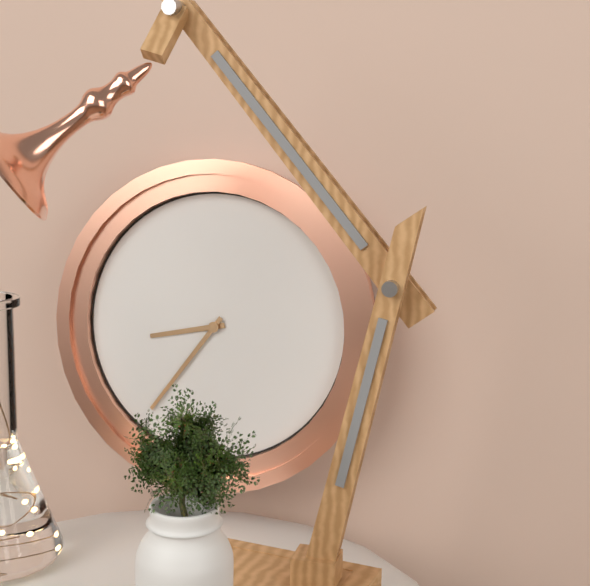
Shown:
8 h 36 min
